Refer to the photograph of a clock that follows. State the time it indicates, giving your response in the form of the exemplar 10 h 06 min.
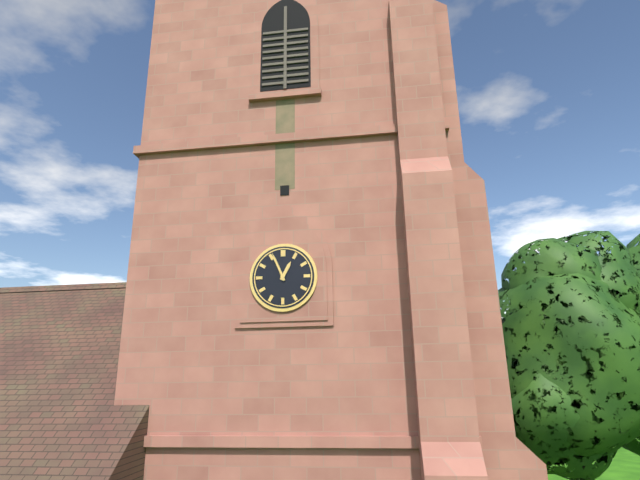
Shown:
12 h 56 min
